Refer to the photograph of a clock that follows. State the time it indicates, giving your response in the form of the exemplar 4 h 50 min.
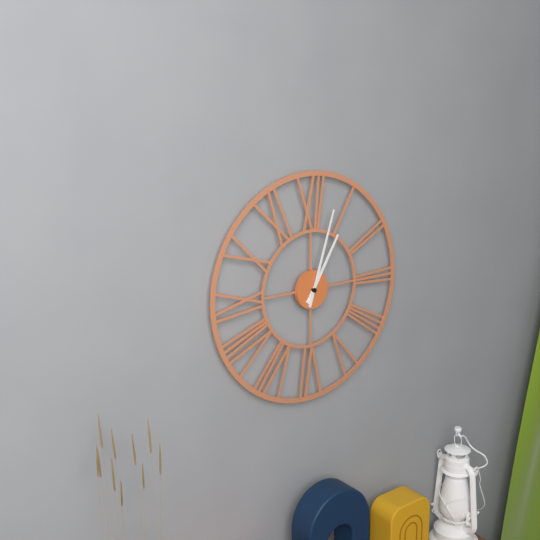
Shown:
1 h 03 min
